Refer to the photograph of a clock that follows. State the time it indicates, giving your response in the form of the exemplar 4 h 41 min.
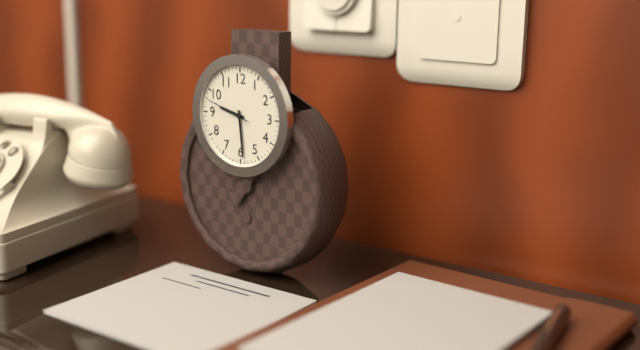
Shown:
9 h 29 min
